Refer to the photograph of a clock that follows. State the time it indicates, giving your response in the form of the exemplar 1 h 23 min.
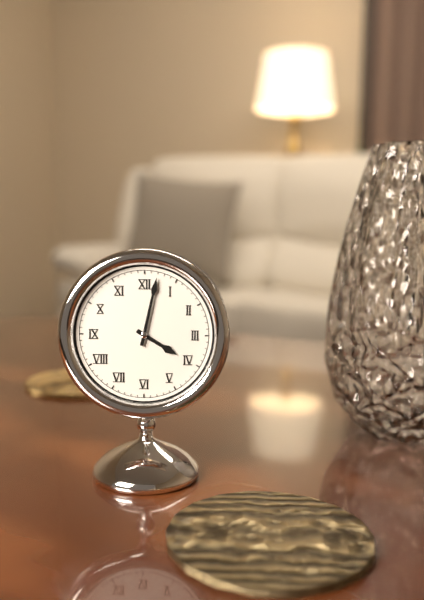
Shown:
4 h 02 min
